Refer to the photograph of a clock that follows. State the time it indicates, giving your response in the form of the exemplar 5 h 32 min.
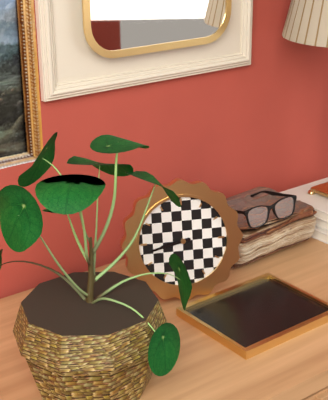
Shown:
8 h 43 min
